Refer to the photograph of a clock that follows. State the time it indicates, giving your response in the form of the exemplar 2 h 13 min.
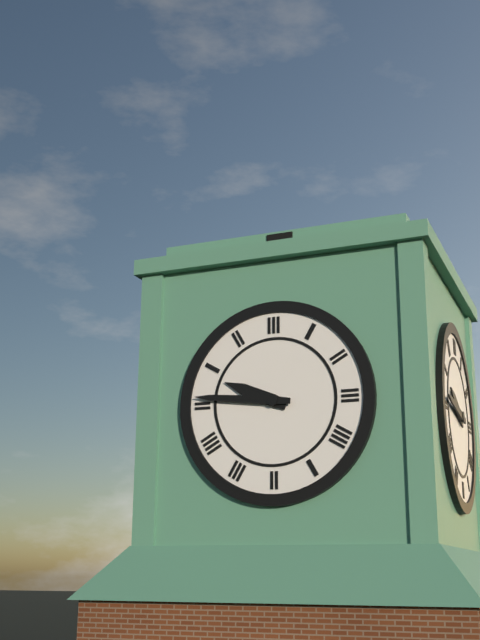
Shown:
9 h 46 min
